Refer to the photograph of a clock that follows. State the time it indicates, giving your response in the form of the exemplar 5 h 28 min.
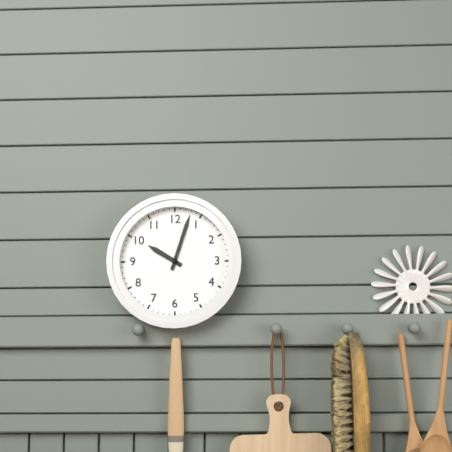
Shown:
10 h 03 min
